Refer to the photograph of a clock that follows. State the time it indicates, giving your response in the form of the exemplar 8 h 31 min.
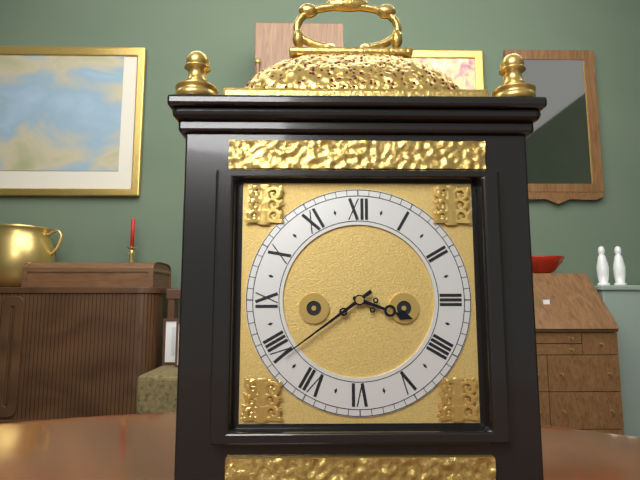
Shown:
3 h 39 min
